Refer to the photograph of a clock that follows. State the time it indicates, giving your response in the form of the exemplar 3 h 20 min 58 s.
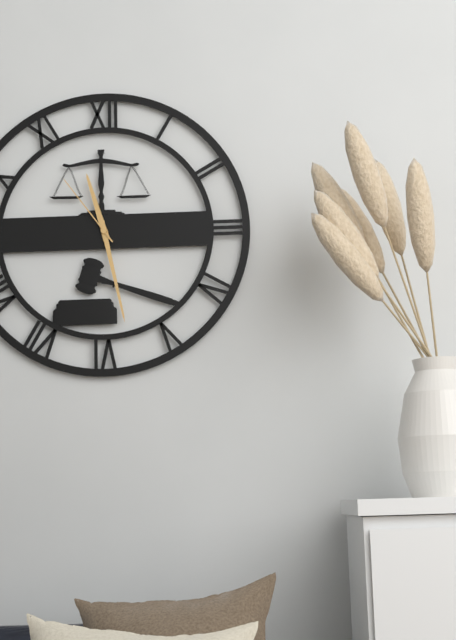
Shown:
11 h 28 min 54 s
